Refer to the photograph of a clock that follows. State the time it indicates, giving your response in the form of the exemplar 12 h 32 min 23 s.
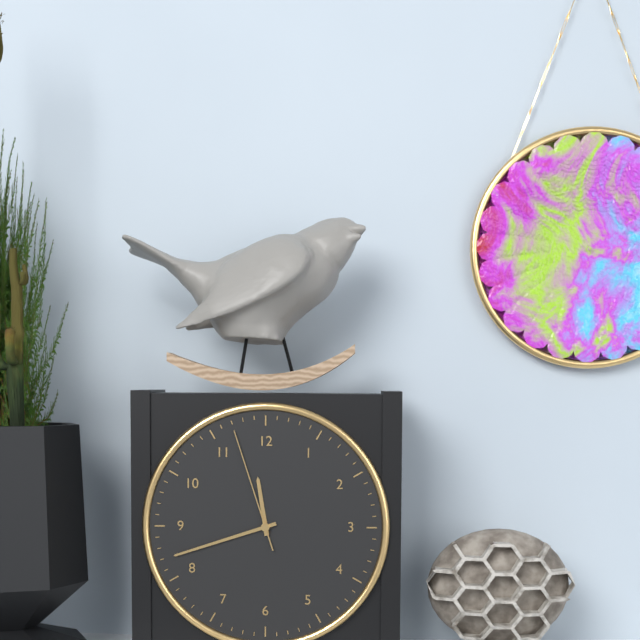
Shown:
11 h 42 min 57 s
